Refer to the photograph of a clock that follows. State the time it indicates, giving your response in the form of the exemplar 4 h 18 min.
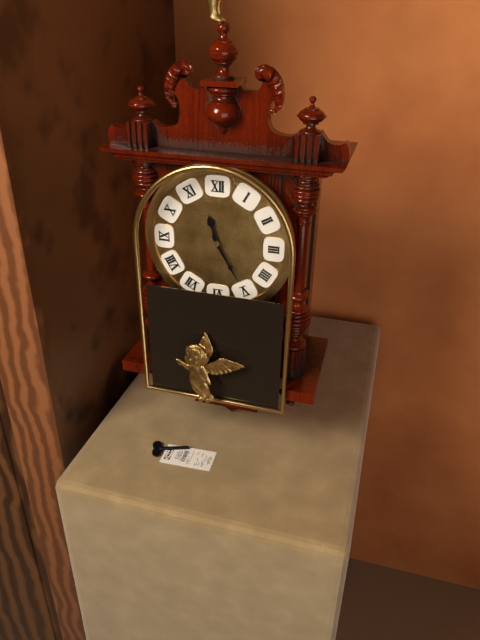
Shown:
11 h 25 min
